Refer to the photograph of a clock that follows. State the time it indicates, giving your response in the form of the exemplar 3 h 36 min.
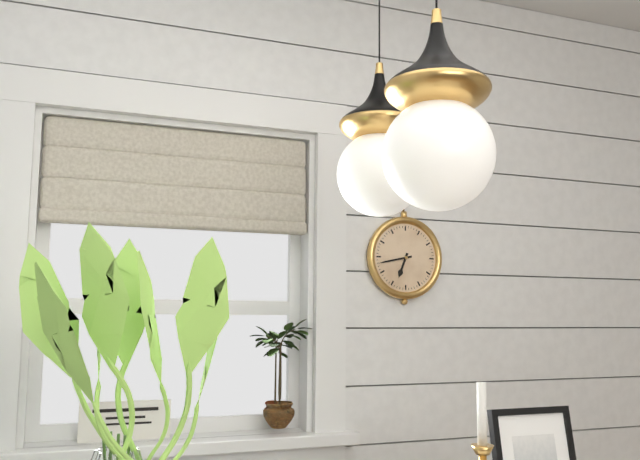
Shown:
6 h 43 min
